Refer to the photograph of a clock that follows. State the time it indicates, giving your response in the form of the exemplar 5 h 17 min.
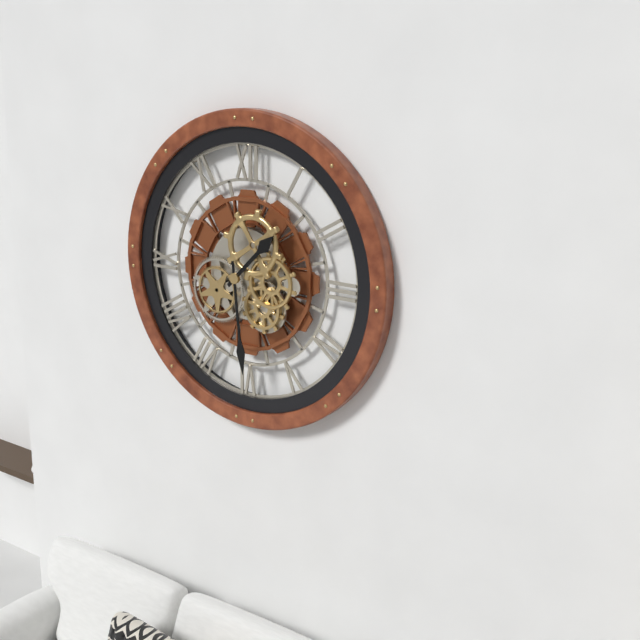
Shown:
1 h 29 min
